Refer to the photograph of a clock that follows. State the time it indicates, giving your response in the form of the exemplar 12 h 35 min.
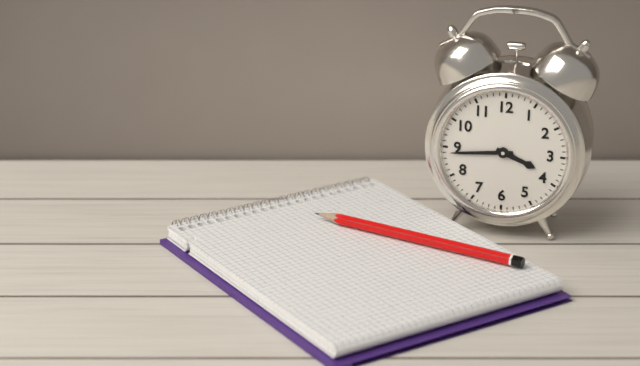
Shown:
3 h 44 min
